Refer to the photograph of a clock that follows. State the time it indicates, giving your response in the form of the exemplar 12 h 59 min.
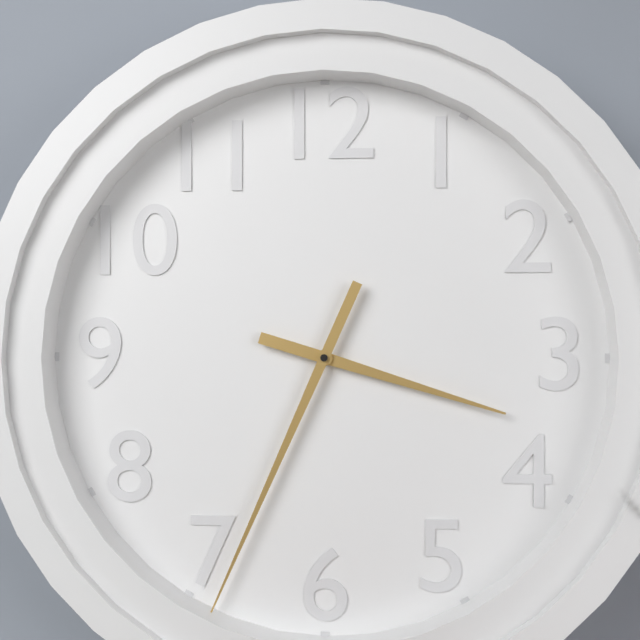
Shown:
3 h 34 min
